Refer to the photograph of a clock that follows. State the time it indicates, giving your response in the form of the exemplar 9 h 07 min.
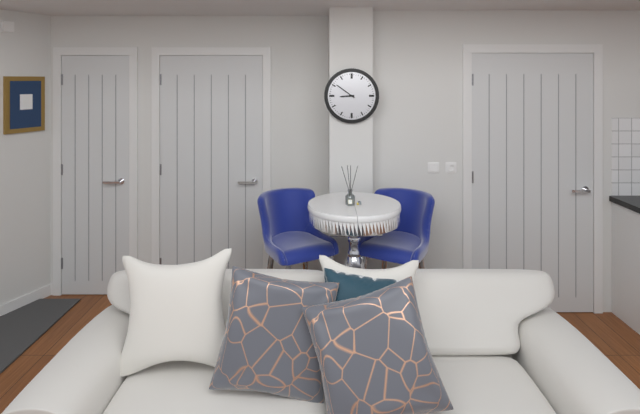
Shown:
8 h 51 min
